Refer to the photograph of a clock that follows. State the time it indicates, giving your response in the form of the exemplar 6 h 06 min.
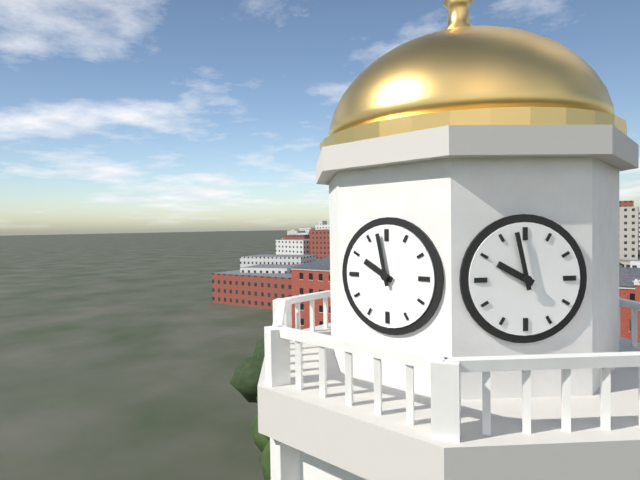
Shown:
9 h 58 min
